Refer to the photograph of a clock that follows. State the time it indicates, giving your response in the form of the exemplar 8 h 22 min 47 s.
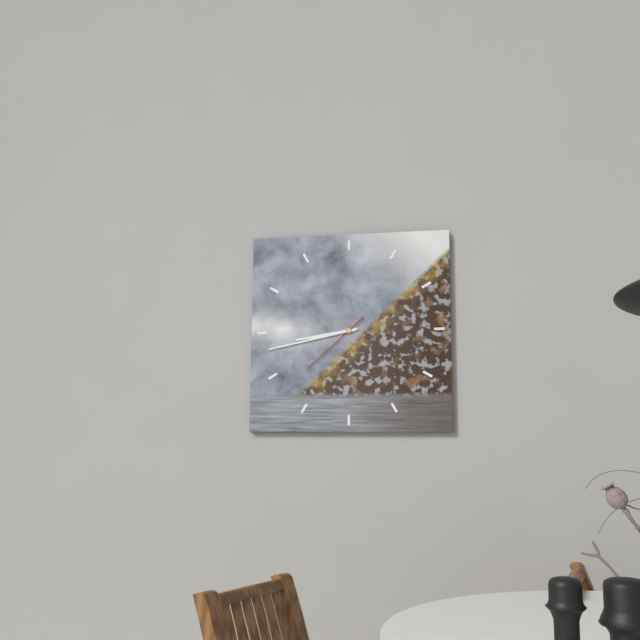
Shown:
8 h 43 min 38 s
